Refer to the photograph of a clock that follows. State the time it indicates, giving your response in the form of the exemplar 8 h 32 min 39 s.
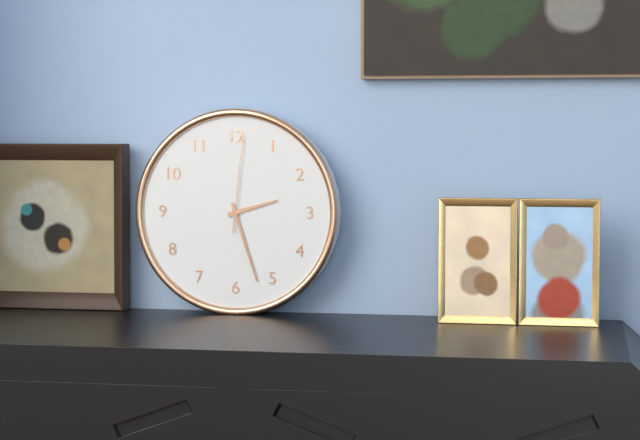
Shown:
2 h 27 min 01 s
